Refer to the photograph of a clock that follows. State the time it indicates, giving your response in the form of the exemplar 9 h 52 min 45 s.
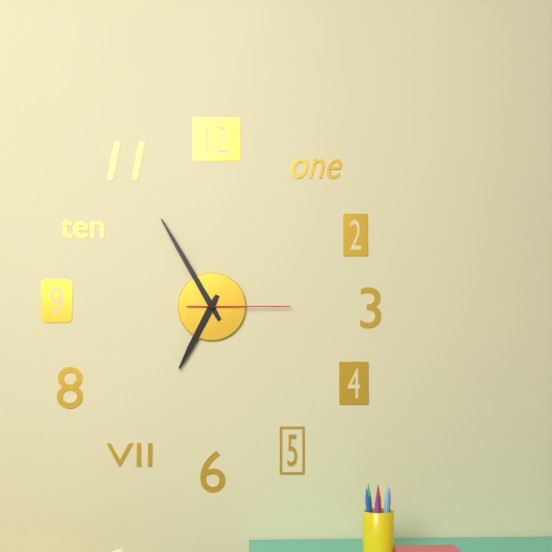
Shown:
6 h 55 min 15 s
